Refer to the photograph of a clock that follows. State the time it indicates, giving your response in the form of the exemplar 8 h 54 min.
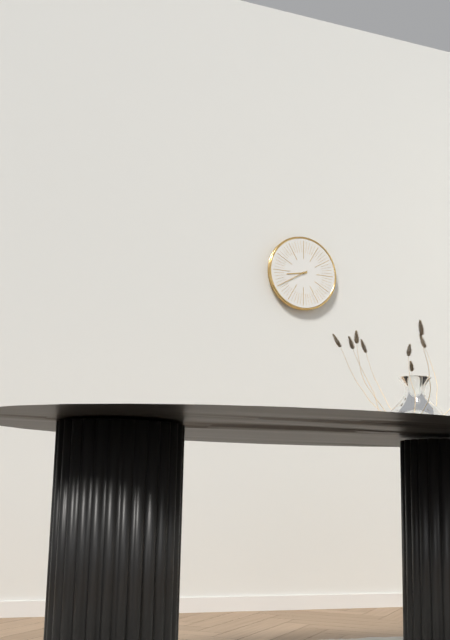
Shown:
8 h 40 min
